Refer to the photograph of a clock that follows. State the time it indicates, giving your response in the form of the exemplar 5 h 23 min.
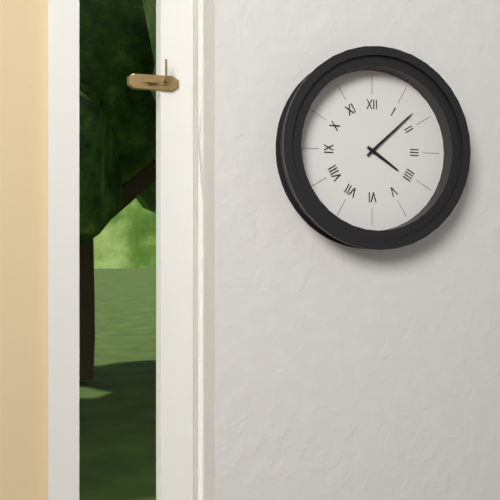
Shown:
4 h 08 min
